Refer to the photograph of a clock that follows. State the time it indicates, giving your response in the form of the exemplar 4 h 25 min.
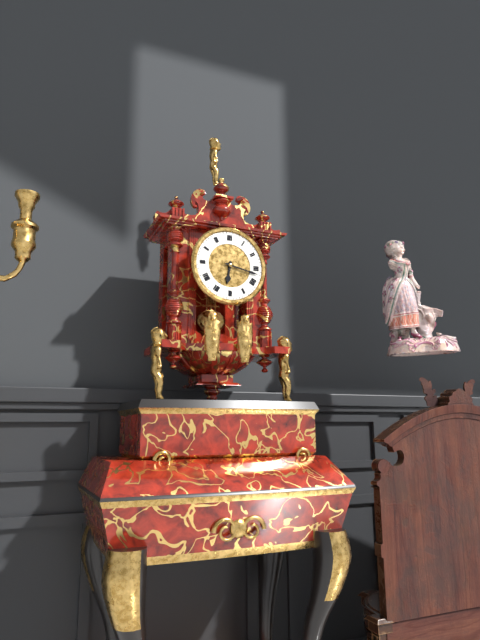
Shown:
6 h 17 min
